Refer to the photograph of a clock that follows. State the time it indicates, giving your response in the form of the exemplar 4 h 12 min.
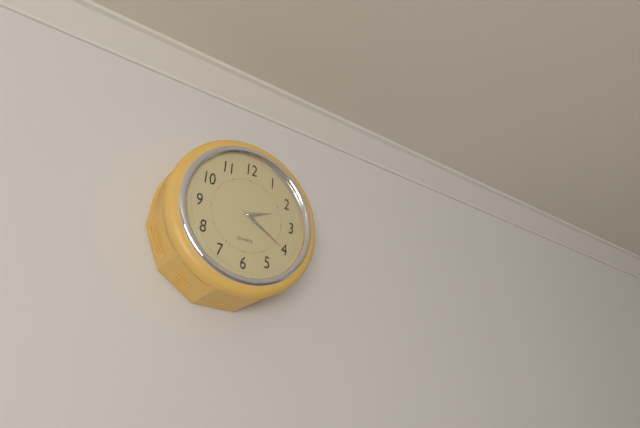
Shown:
2 h 20 min
